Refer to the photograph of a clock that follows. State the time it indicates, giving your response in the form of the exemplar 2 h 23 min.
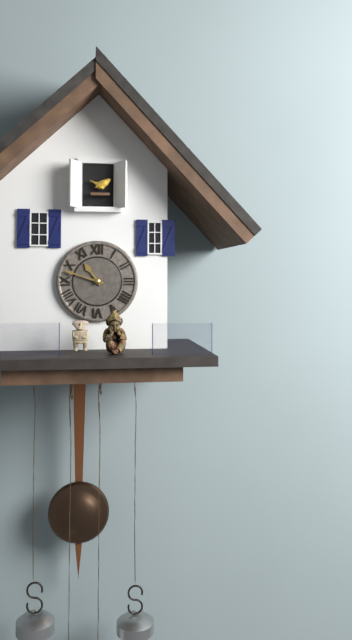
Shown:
10 h 48 min
